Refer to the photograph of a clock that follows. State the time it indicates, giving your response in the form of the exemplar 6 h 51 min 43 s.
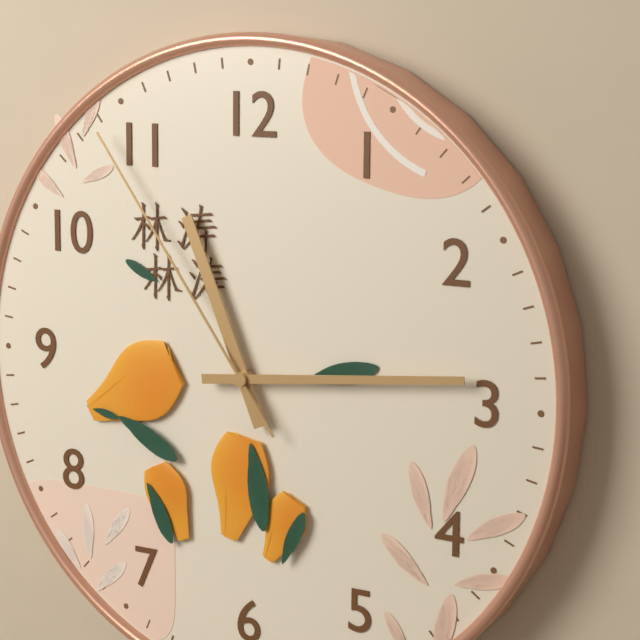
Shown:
11 h 14 min 54 s
